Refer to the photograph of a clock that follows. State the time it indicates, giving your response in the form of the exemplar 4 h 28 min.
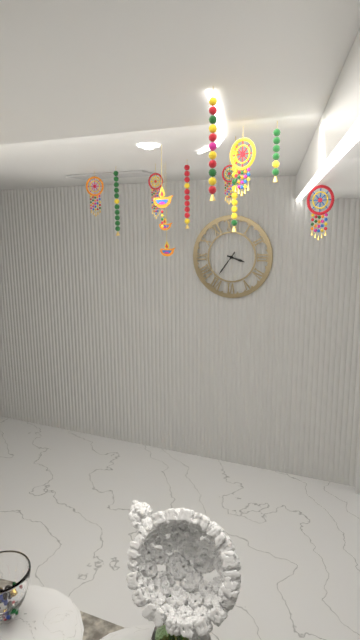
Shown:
3 h 36 min
